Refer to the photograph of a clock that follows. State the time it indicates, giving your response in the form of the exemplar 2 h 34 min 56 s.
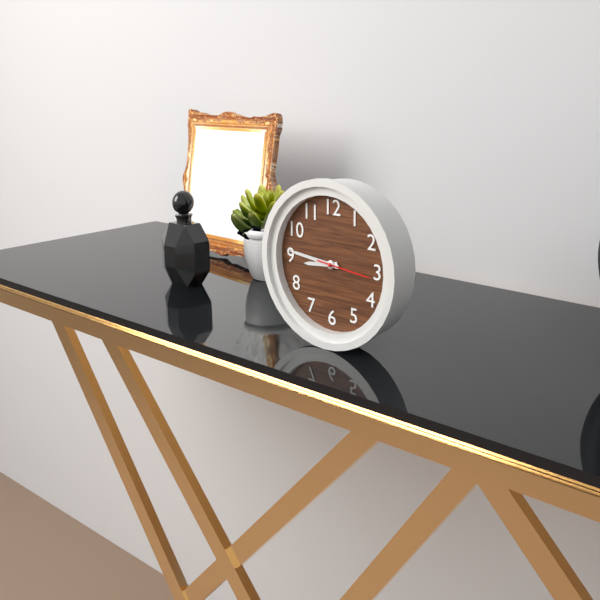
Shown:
8 h 46 min 16 s
